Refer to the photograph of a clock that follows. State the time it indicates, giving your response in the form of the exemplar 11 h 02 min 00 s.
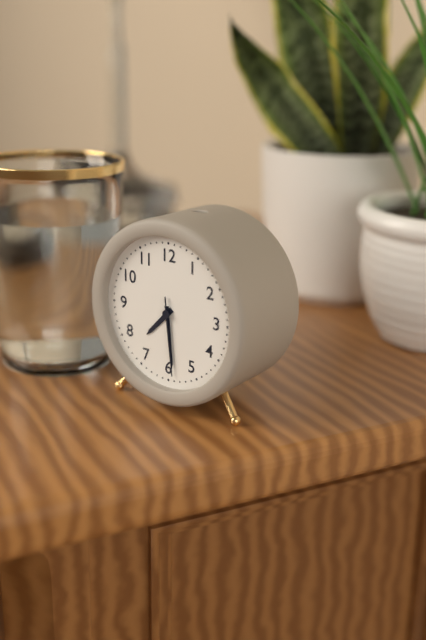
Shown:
7 h 29 min 29 s
